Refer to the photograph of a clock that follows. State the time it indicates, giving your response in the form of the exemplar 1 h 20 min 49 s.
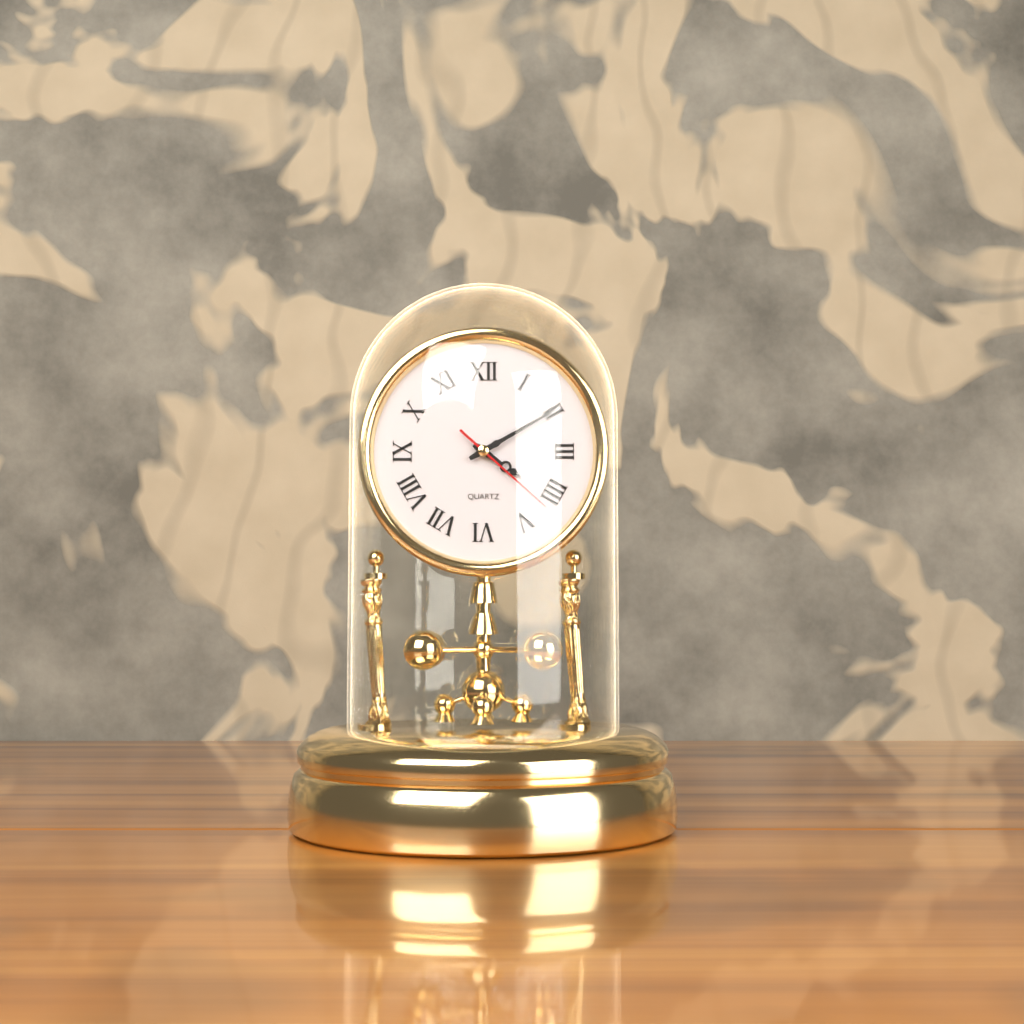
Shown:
4 h 10 min 22 s
